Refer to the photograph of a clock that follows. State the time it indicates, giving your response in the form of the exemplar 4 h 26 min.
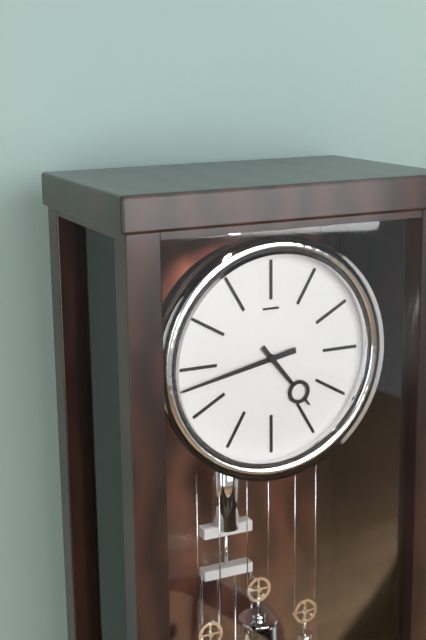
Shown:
4 h 43 min
